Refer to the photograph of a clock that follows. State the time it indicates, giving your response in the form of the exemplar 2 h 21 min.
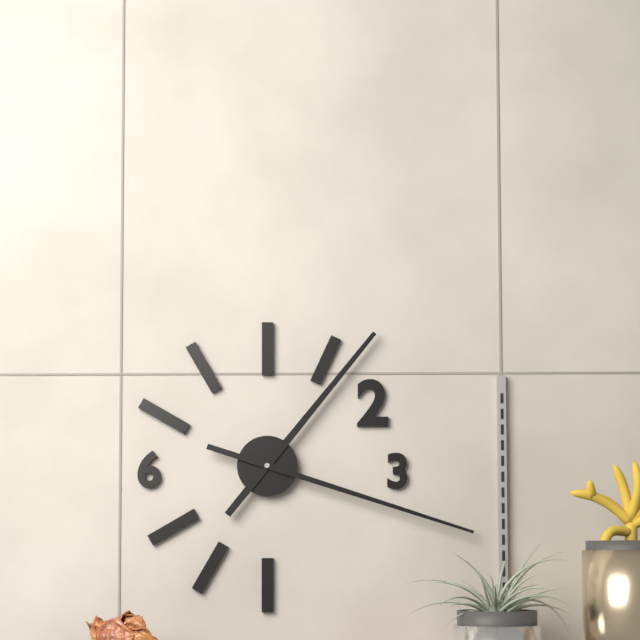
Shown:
1 h 18 min
